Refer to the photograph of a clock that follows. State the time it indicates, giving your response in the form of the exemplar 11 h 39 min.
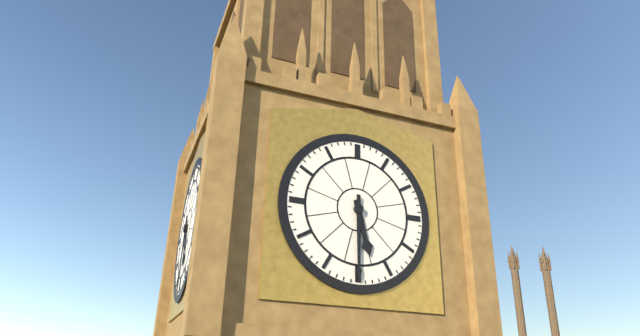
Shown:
5 h 30 min
